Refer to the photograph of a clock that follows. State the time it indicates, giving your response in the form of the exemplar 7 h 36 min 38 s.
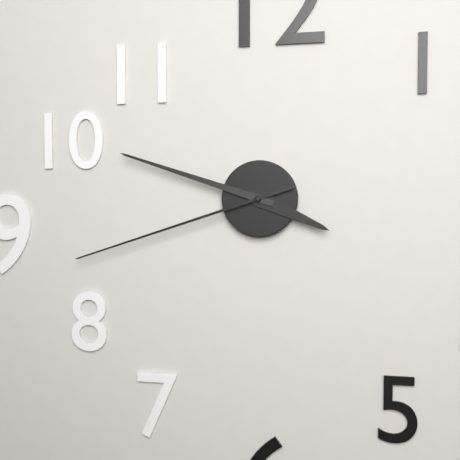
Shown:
3 h 48 min 42 s
